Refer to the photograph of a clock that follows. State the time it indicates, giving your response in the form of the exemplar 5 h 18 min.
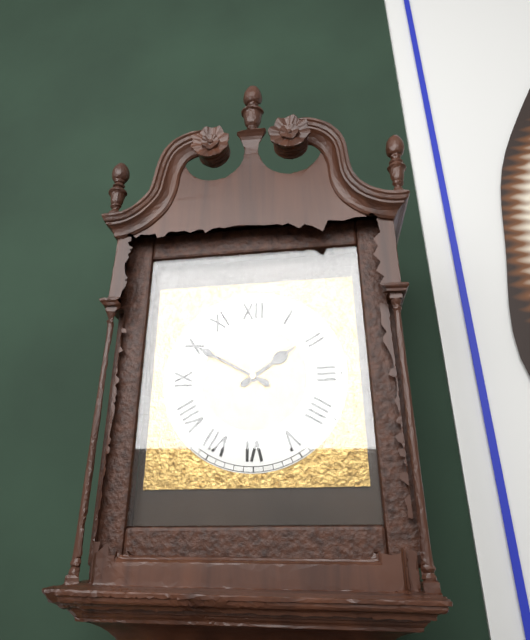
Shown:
1 h 50 min
